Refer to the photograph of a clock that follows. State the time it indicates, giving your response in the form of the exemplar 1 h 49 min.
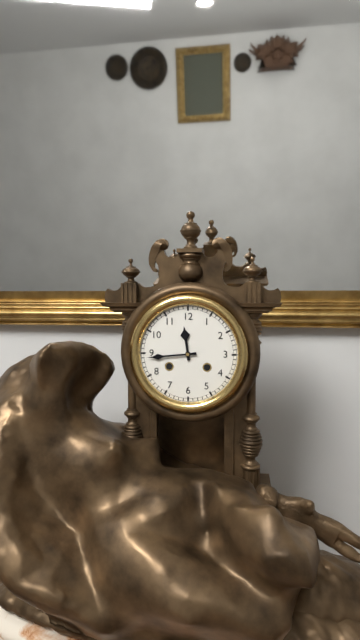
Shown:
11 h 44 min
